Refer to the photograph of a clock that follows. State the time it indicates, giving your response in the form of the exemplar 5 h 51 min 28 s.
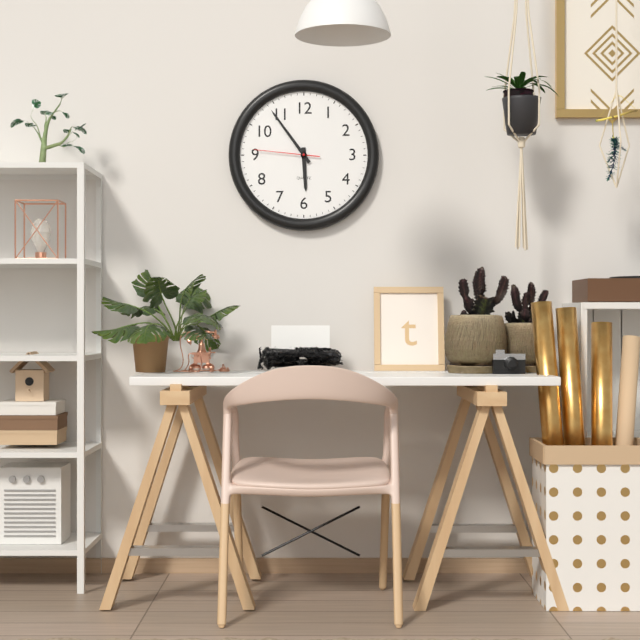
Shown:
5 h 54 min 46 s
